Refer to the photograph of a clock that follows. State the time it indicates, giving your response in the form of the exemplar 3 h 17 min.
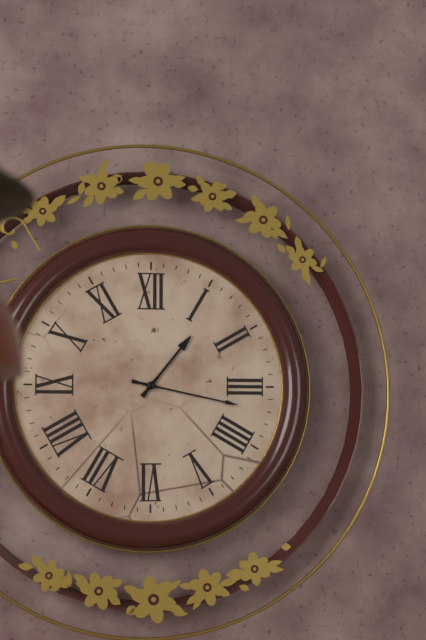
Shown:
1 h 17 min
